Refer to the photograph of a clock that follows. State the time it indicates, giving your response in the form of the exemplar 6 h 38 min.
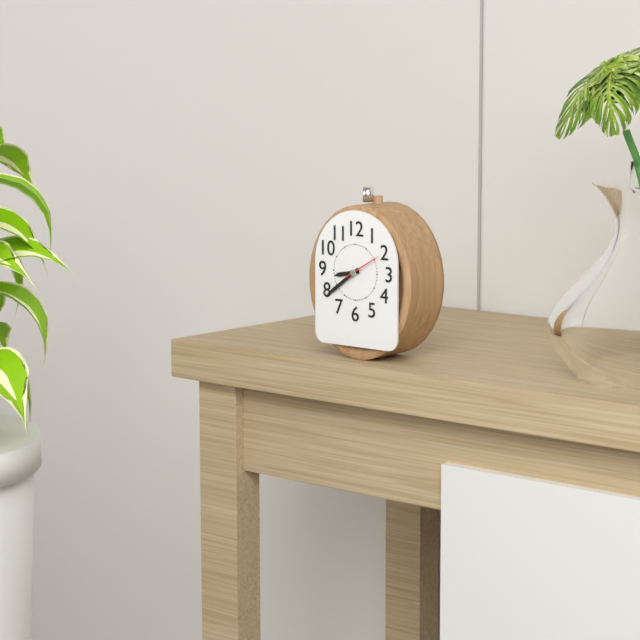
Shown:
8 h 39 min
